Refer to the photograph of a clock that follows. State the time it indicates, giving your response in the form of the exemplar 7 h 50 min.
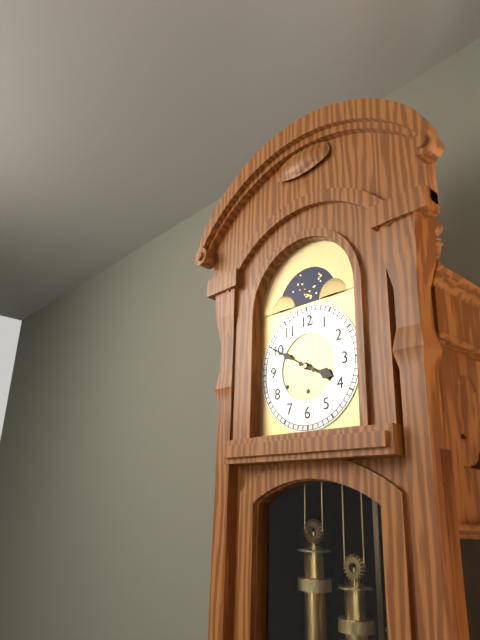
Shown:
3 h 50 min
